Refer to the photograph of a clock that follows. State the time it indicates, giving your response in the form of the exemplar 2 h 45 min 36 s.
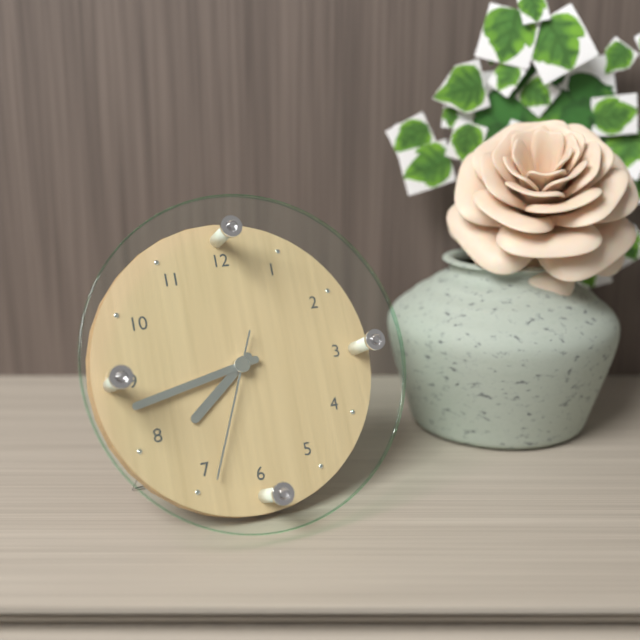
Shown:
7 h 43 min 34 s
